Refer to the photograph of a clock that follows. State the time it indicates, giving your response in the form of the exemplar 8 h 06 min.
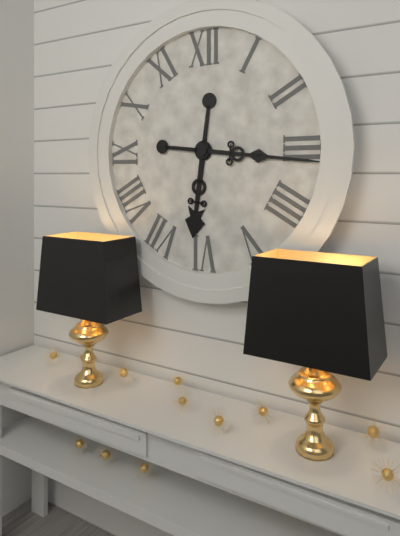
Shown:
6 h 16 min
